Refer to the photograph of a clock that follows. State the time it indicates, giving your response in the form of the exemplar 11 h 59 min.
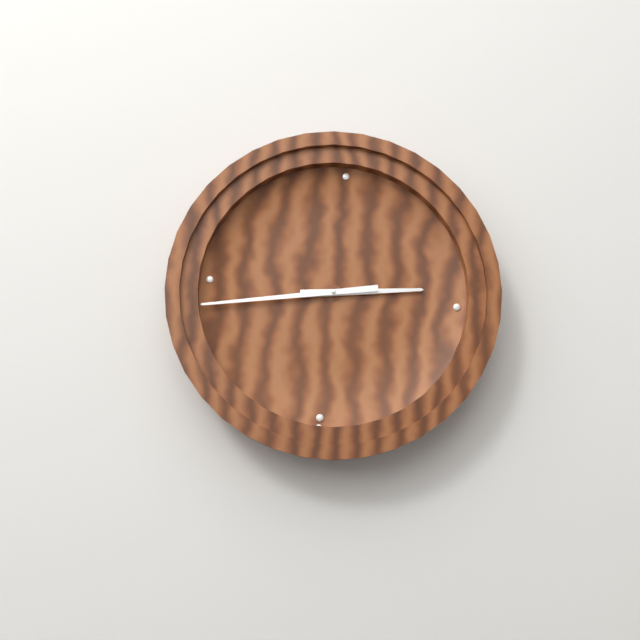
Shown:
2 h 43 min
